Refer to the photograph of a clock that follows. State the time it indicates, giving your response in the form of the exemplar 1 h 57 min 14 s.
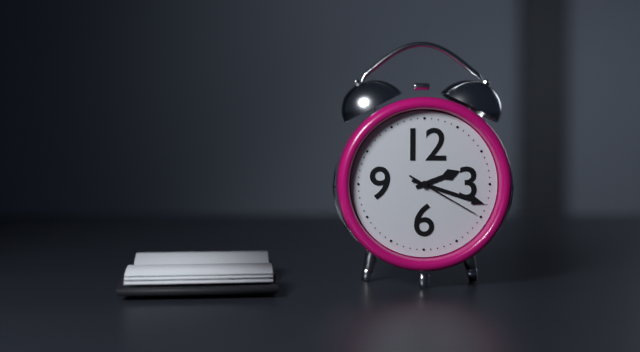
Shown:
2 h 18 min 20 s
